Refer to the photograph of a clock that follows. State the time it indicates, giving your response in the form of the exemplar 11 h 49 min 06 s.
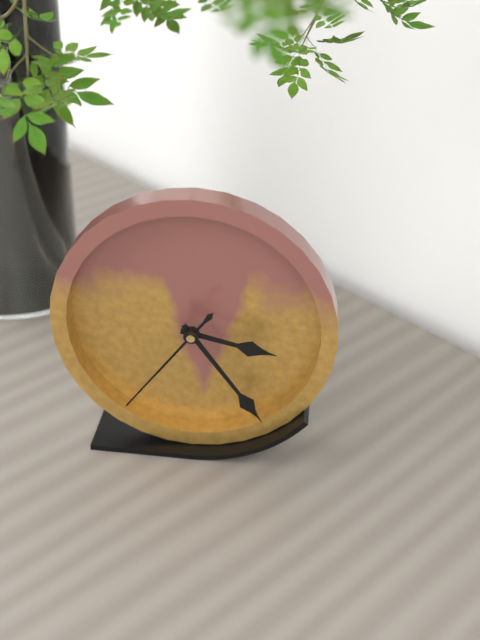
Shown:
3 h 24 min 36 s
